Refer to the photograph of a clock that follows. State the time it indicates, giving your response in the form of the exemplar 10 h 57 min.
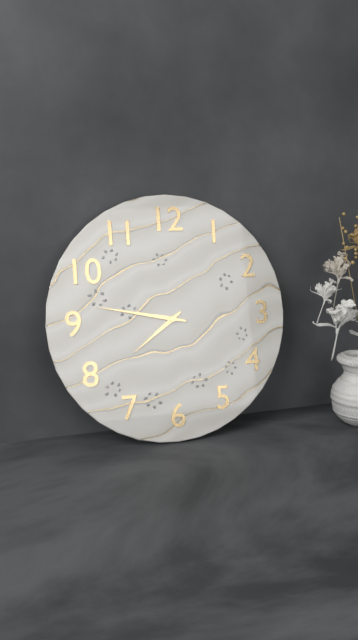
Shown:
7 h 47 min
